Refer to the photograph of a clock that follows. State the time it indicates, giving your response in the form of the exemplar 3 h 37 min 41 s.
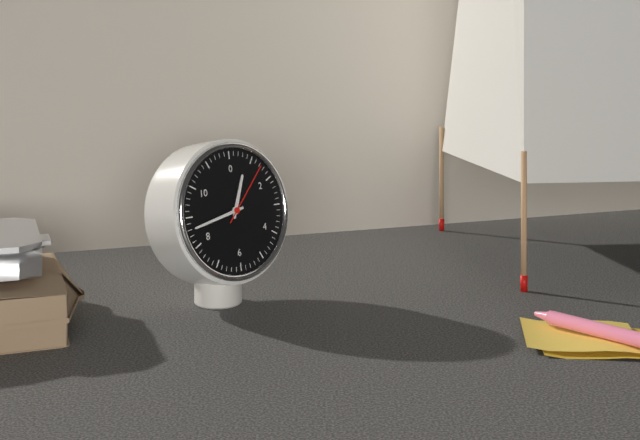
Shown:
12 h 43 min 07 s
